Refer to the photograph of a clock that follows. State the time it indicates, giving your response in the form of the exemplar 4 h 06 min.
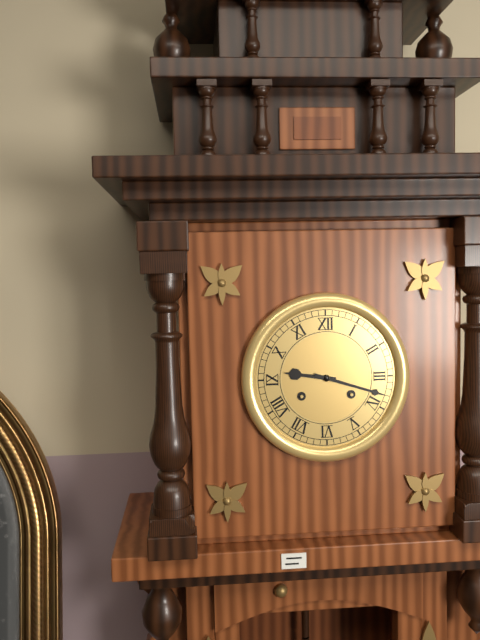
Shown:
9 h 18 min
